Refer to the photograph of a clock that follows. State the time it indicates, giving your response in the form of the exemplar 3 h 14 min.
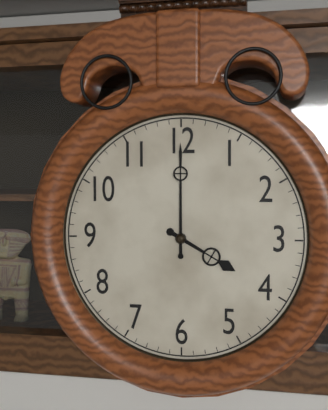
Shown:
4 h 00 min
